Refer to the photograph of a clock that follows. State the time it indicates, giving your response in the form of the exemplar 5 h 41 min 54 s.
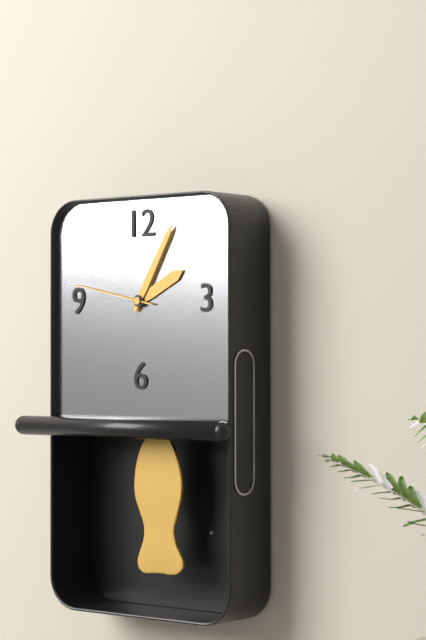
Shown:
2 h 05 min 47 s
